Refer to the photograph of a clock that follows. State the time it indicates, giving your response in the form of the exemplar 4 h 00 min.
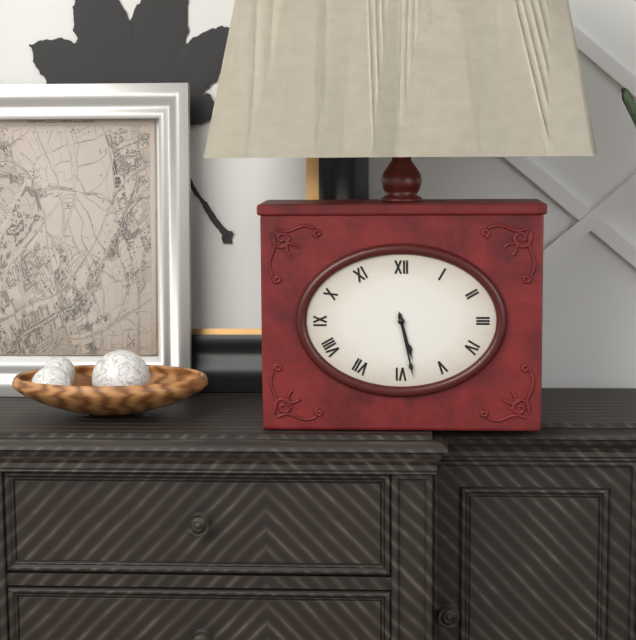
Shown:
5 h 28 min
